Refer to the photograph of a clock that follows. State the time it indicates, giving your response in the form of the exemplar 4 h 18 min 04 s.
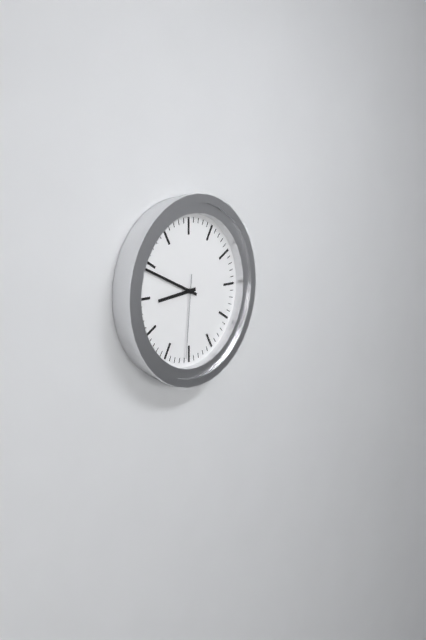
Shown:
8 h 49 min 31 s
